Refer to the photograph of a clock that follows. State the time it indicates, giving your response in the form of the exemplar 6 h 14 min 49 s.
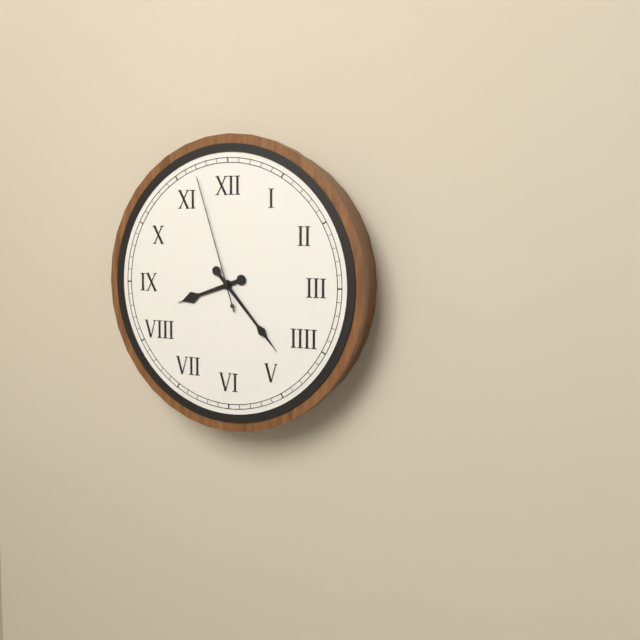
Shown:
8 h 23 min 57 s
